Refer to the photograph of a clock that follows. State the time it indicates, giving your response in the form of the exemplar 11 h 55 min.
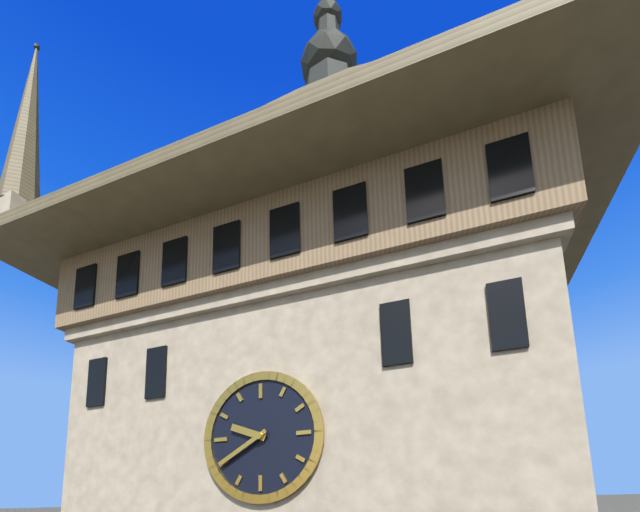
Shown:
9 h 40 min
